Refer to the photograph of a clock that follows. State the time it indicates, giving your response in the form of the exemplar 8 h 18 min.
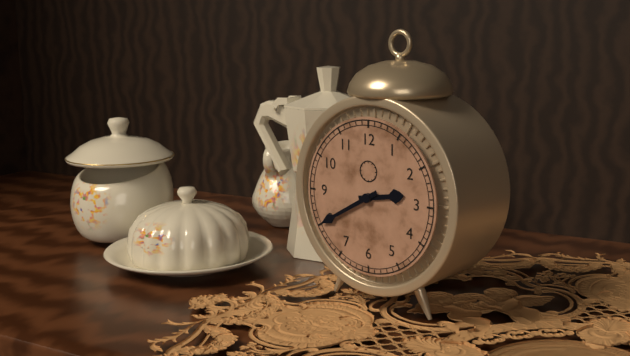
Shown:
2 h 40 min
